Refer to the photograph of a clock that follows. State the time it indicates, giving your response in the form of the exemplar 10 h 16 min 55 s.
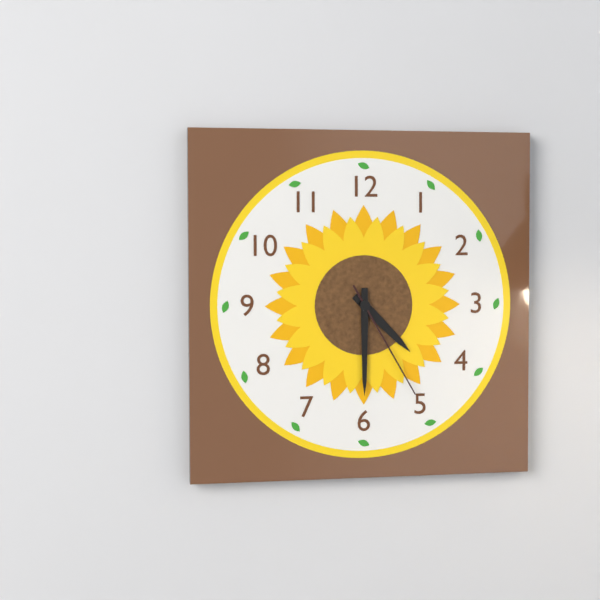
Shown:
4 h 30 min 25 s
